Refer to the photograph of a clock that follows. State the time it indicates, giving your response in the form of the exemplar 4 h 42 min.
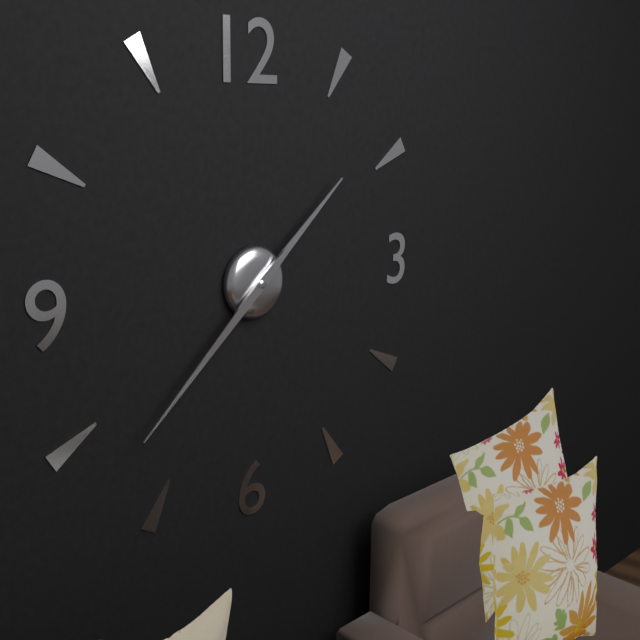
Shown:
1 h 38 min
